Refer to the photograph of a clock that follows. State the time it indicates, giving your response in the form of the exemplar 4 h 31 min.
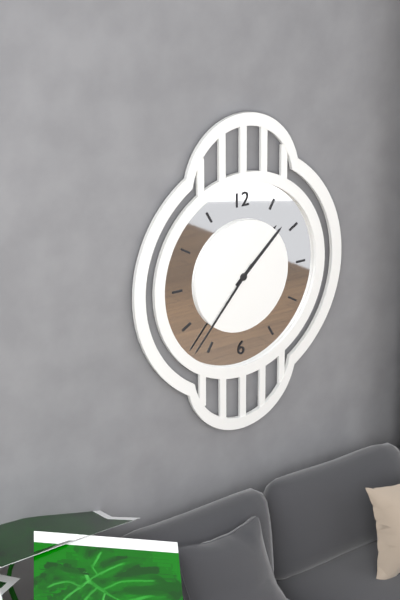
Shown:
1 h 37 min
